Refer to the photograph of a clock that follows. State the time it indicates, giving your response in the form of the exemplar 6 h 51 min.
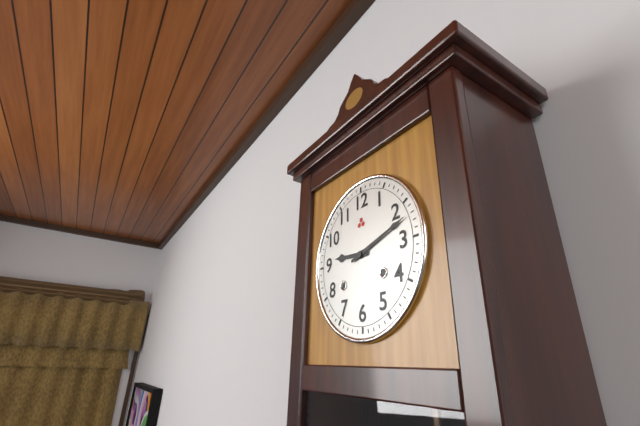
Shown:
9 h 12 min
